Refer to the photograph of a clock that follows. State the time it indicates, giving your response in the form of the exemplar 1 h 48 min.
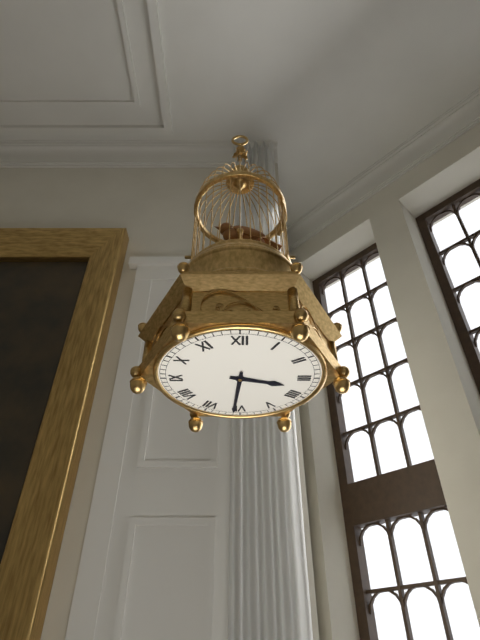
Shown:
3 h 31 min
